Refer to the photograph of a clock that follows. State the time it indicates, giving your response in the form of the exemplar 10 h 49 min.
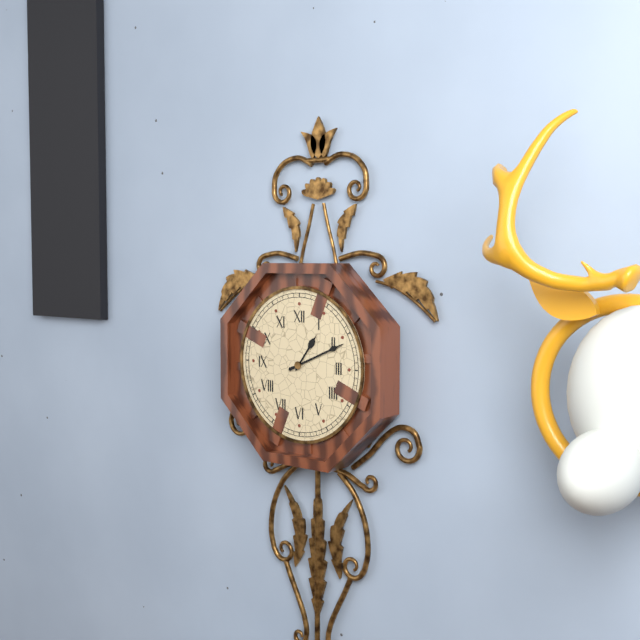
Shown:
1 h 11 min
